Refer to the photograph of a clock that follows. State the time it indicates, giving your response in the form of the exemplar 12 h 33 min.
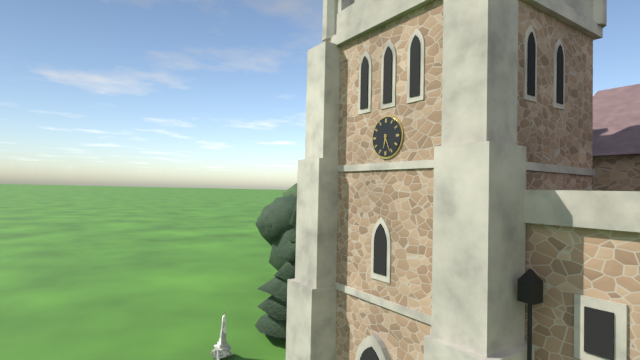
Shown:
6 h 26 min
